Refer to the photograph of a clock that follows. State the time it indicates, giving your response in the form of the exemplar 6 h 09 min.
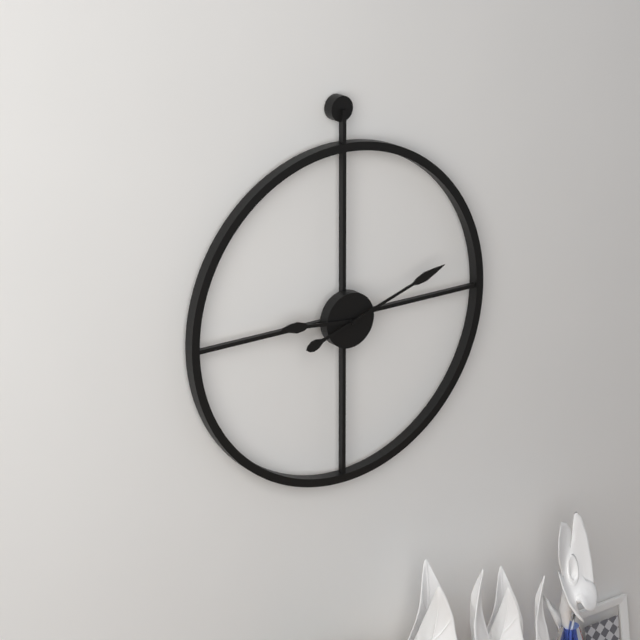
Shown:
9 h 12 min
